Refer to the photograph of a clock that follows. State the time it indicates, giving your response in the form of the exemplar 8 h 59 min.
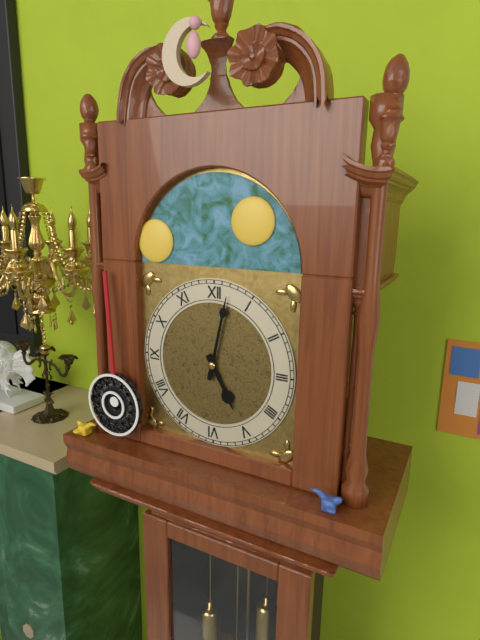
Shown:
5 h 02 min
